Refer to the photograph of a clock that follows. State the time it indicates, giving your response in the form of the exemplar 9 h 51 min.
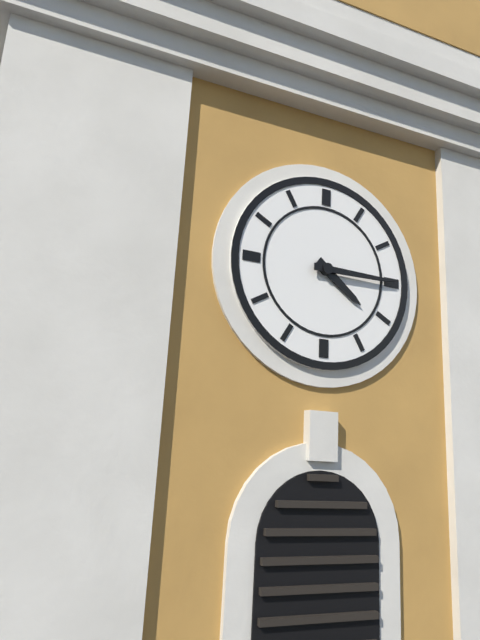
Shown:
4 h 15 min
